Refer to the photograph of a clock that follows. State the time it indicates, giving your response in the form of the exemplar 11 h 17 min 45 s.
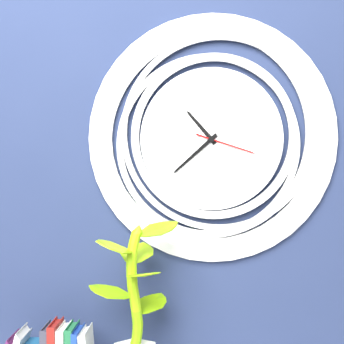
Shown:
10 h 38 min 18 s
